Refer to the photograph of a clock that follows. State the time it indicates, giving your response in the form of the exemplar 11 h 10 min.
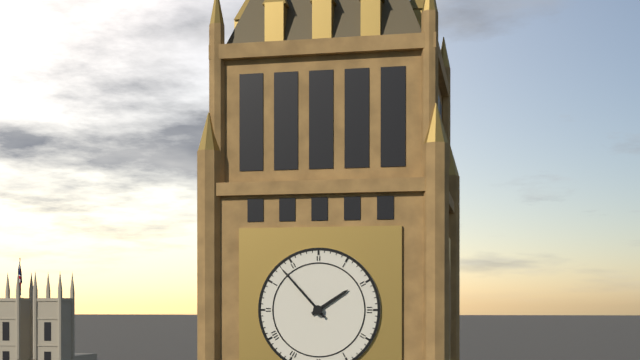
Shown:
1 h 53 min
